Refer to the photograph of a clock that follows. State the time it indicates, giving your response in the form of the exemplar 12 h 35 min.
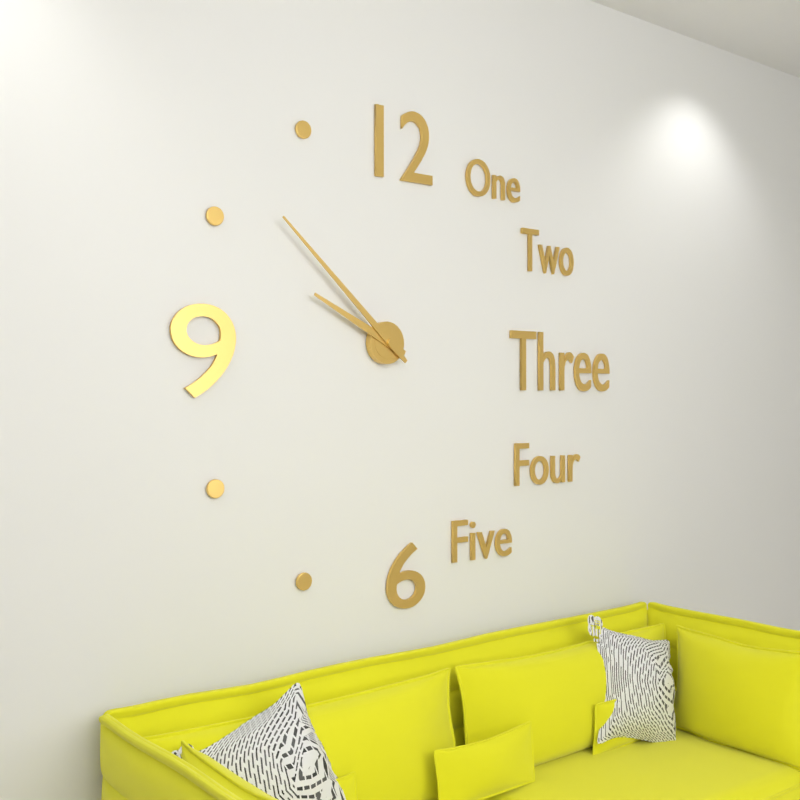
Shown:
9 h 52 min
